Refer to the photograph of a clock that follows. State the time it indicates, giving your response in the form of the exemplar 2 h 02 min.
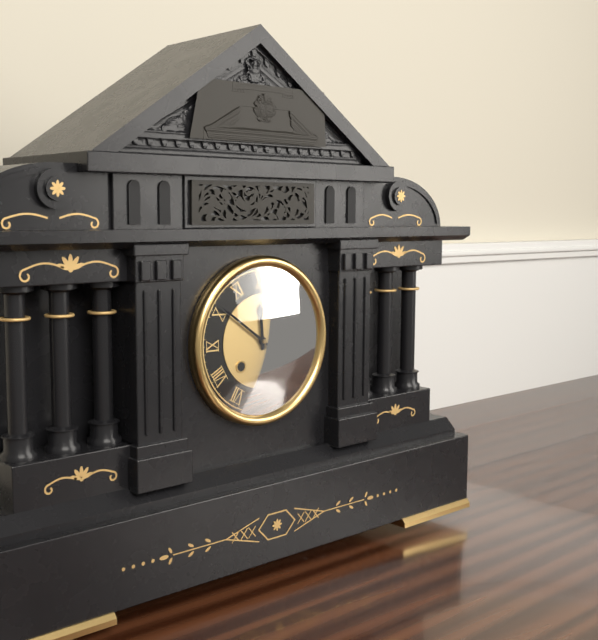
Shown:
11 h 51 min
